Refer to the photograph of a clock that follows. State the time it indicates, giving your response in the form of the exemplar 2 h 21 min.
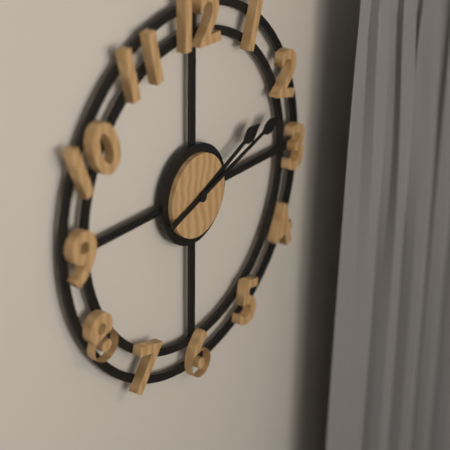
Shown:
2 h 12 min
